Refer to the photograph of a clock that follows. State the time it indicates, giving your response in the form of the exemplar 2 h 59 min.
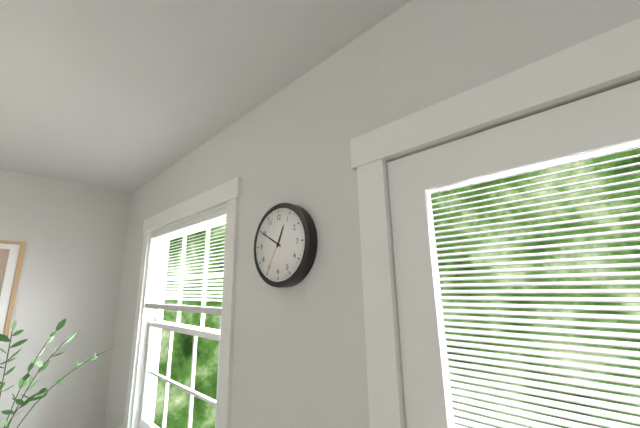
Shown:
12 h 50 min
